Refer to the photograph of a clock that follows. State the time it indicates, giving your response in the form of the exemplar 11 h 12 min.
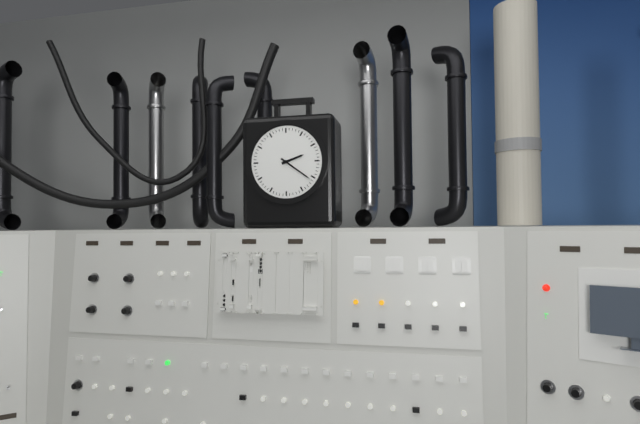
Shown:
2 h 21 min
